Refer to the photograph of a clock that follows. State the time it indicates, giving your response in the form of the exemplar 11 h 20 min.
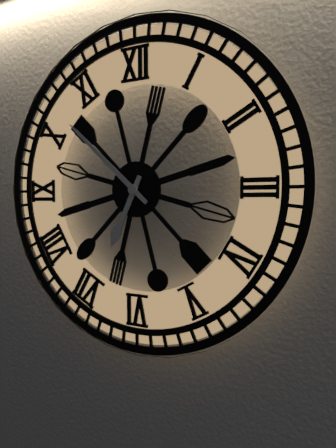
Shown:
6 h 52 min
